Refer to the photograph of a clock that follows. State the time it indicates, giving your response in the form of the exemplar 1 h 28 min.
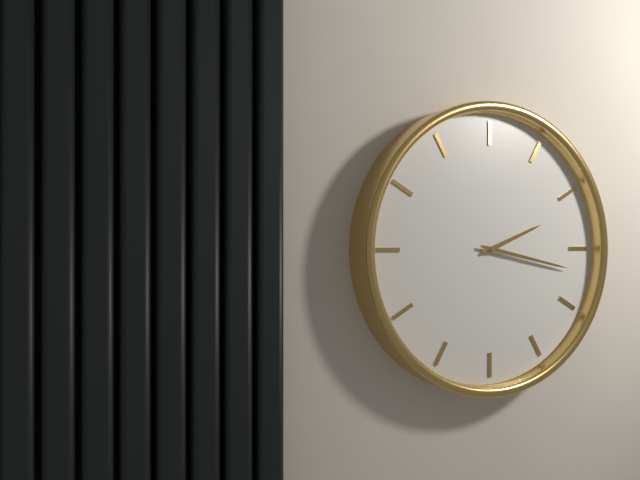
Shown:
2 h 17 min
